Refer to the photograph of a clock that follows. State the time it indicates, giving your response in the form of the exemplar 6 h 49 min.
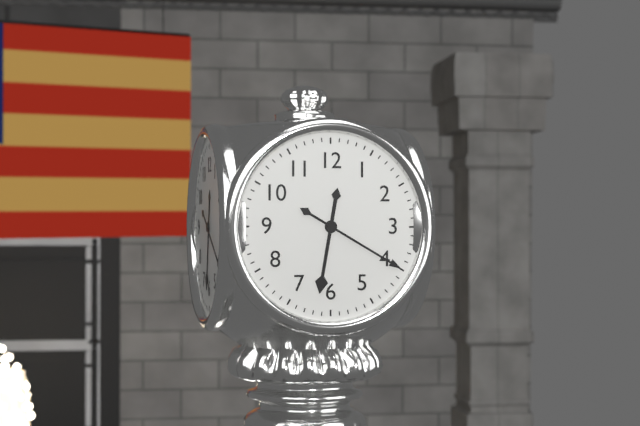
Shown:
6 h 20 min
